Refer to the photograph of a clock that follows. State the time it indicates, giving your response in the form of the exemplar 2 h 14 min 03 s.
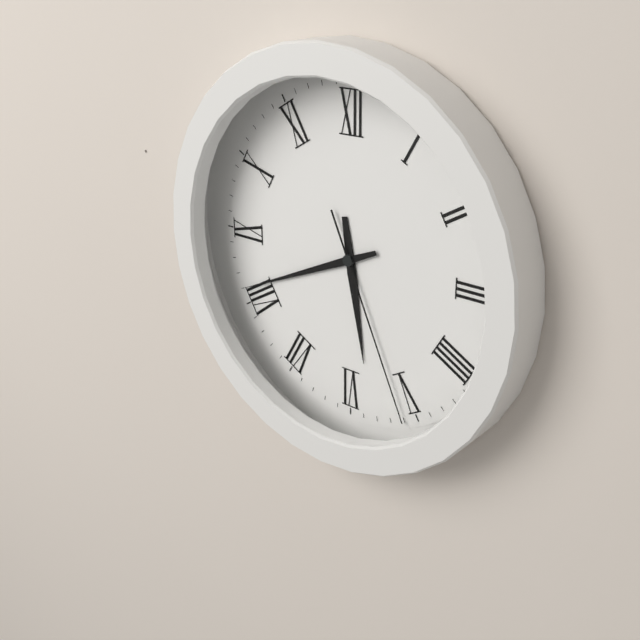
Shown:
5 h 41 min 26 s
